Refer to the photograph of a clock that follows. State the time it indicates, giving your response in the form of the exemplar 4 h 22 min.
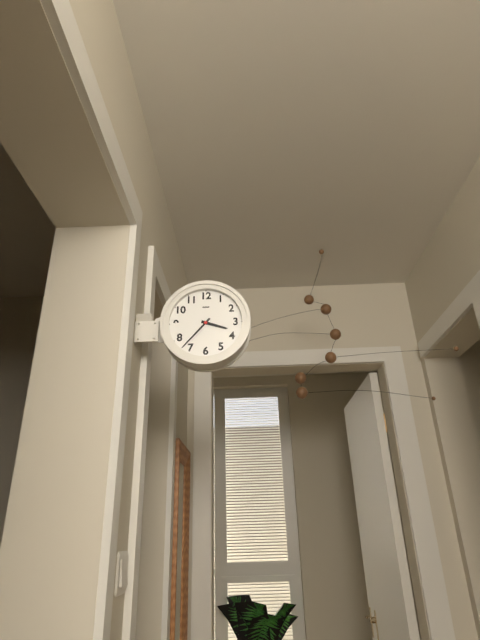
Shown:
3 h 37 min
